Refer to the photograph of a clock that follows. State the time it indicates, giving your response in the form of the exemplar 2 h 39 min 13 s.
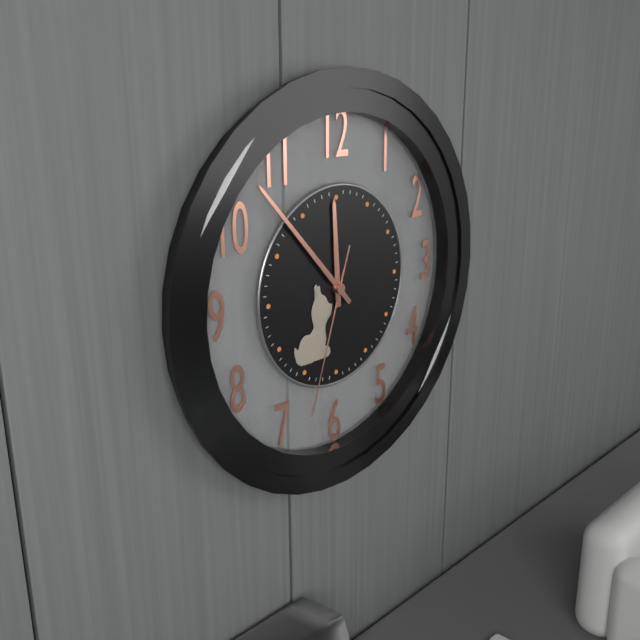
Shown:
11 h 53 min 33 s
